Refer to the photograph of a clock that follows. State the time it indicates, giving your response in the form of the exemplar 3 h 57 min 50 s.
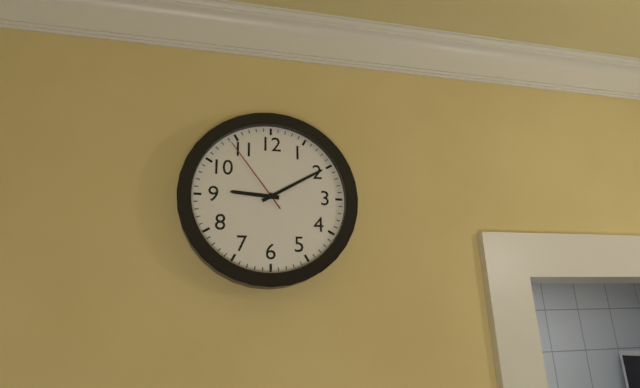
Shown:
9 h 10 min 54 s
